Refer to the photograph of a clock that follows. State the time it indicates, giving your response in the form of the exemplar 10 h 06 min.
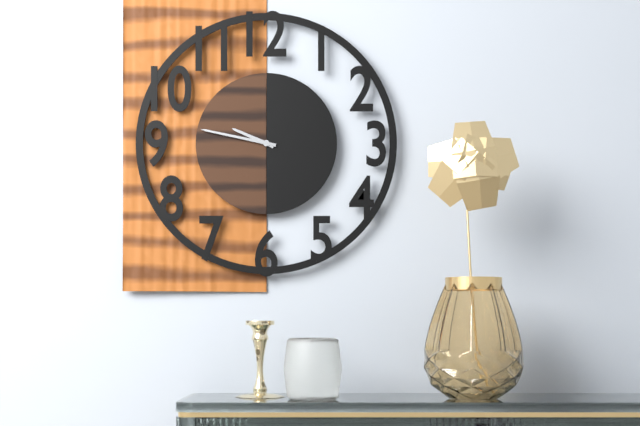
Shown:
9 h 47 min
